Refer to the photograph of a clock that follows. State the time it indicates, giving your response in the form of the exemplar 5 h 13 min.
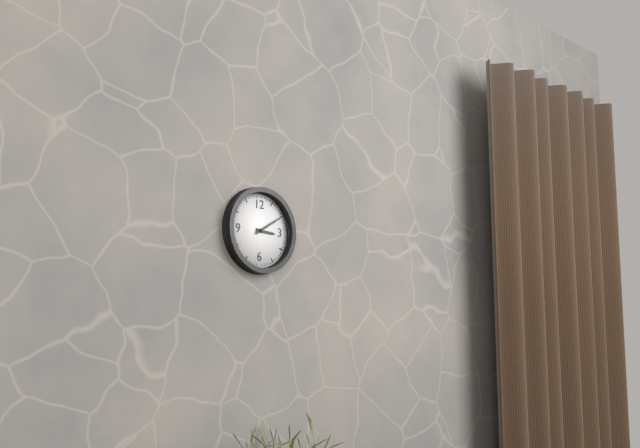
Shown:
3 h 10 min
